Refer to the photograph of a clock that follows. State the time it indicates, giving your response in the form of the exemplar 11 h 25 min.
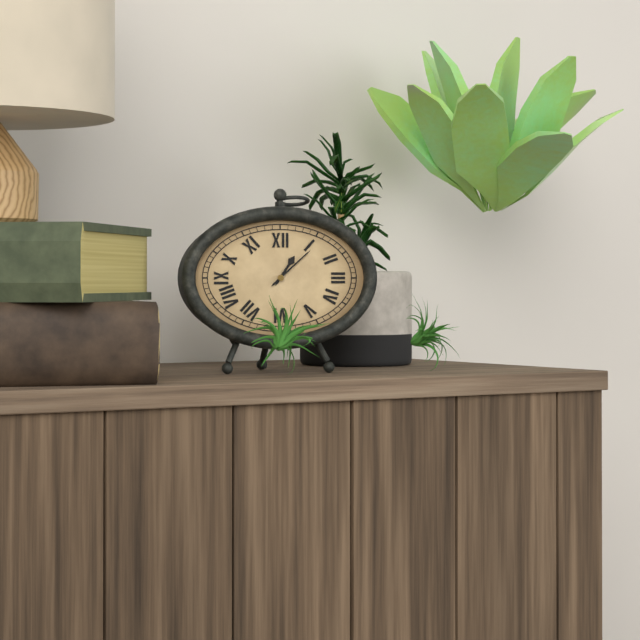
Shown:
1 h 08 min
